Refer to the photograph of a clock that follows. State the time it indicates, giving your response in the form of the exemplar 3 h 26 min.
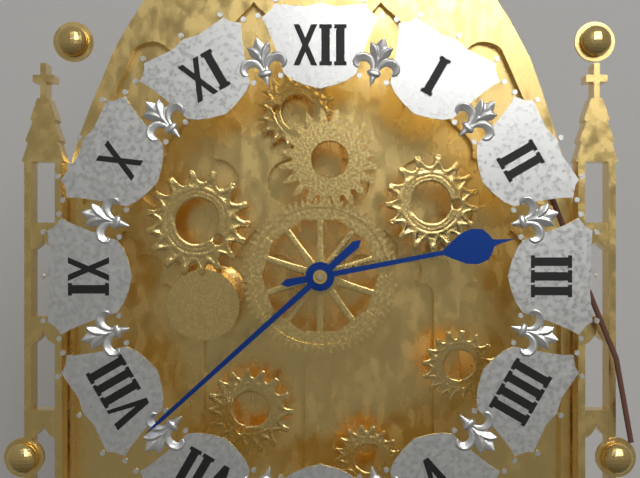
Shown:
2 h 38 min
